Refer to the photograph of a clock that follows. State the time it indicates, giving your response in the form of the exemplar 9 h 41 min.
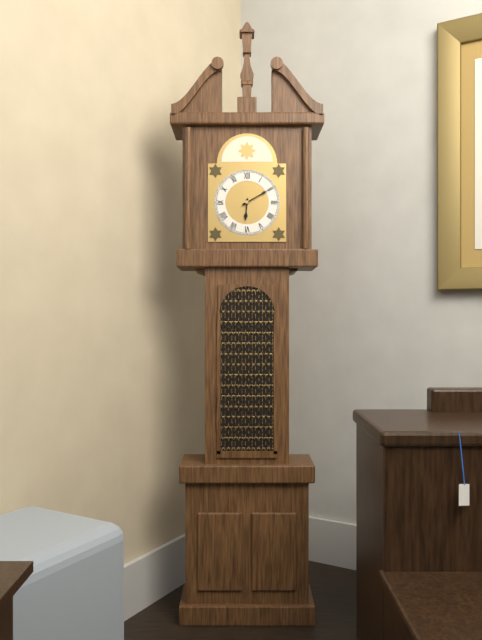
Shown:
6 h 10 min
